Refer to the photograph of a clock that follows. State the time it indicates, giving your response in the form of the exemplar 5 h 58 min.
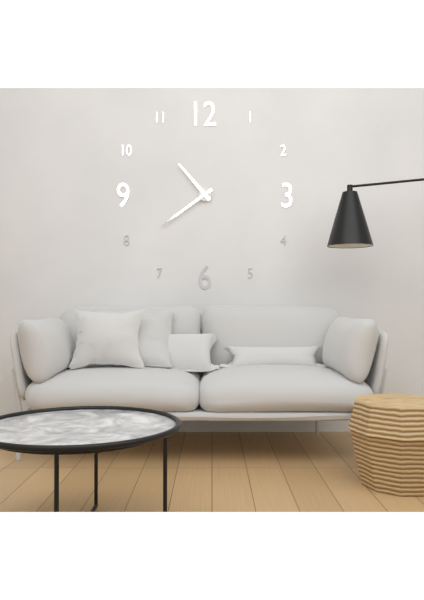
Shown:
10 h 39 min
